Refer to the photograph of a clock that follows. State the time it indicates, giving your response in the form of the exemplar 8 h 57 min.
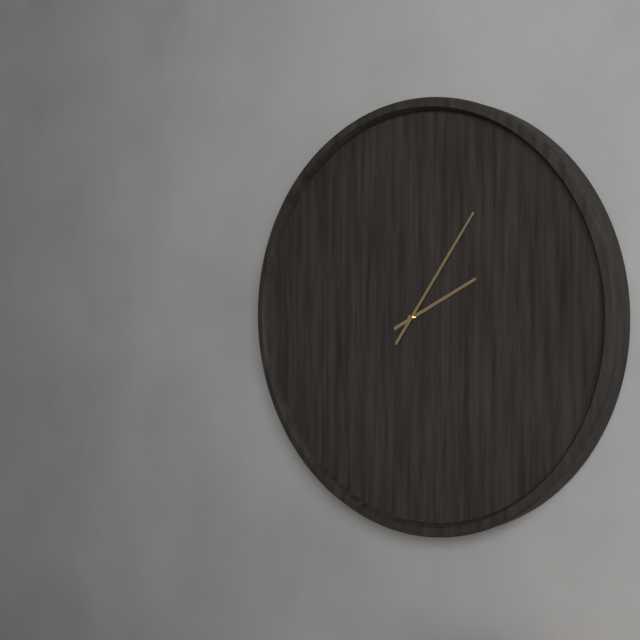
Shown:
2 h 06 min
